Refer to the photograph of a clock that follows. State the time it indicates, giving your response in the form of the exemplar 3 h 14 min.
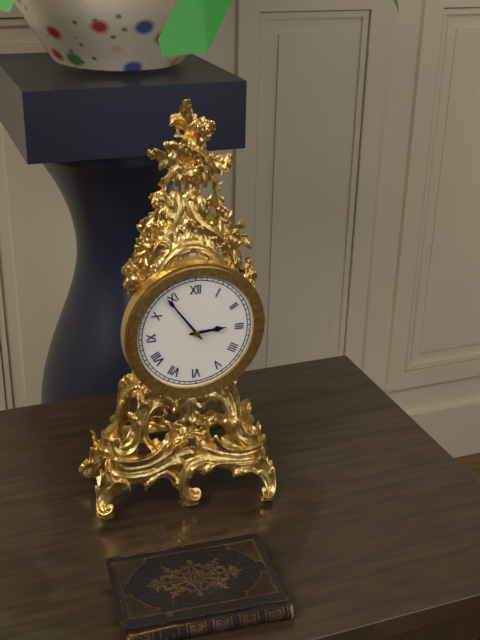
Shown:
2 h 54 min
